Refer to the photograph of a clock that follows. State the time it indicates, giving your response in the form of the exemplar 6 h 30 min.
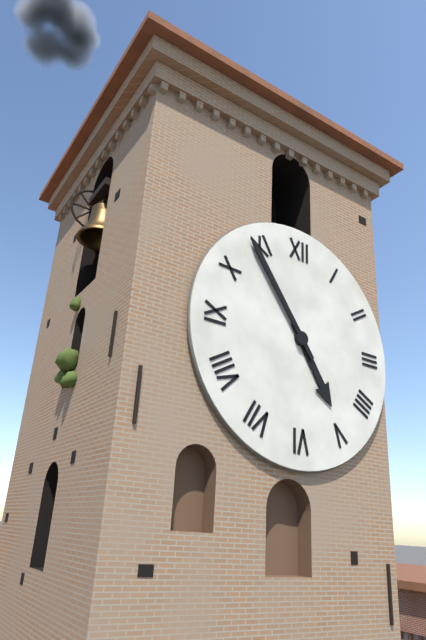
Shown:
4 h 54 min
